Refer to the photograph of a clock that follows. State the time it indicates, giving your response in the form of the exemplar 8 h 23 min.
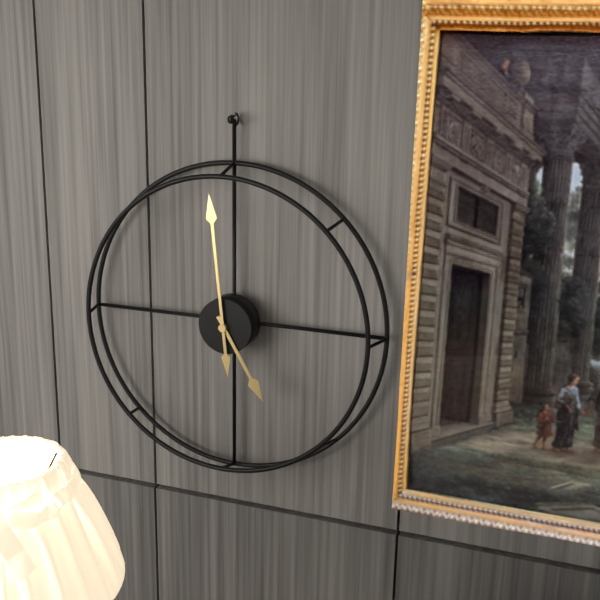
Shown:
4 h 59 min
